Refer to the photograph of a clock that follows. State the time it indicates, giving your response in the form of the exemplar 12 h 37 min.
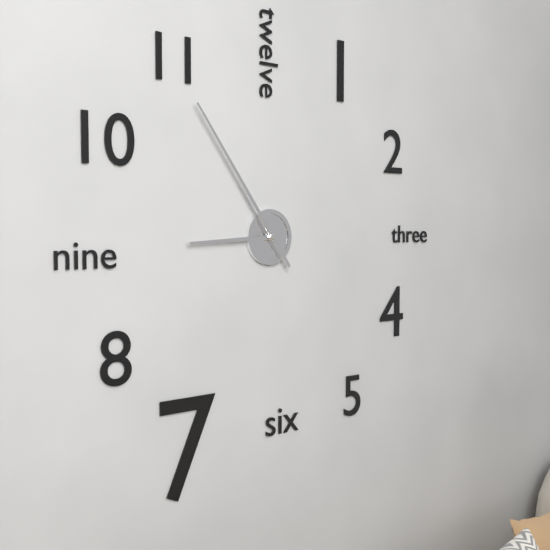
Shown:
8 h 54 min
